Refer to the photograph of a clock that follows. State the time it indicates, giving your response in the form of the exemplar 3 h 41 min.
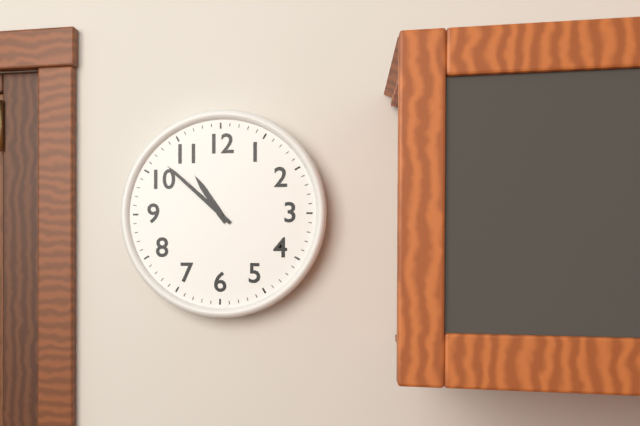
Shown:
10 h 52 min
